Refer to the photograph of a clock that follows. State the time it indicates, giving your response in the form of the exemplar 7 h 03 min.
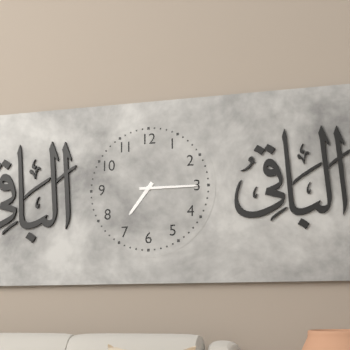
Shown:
7 h 15 min
